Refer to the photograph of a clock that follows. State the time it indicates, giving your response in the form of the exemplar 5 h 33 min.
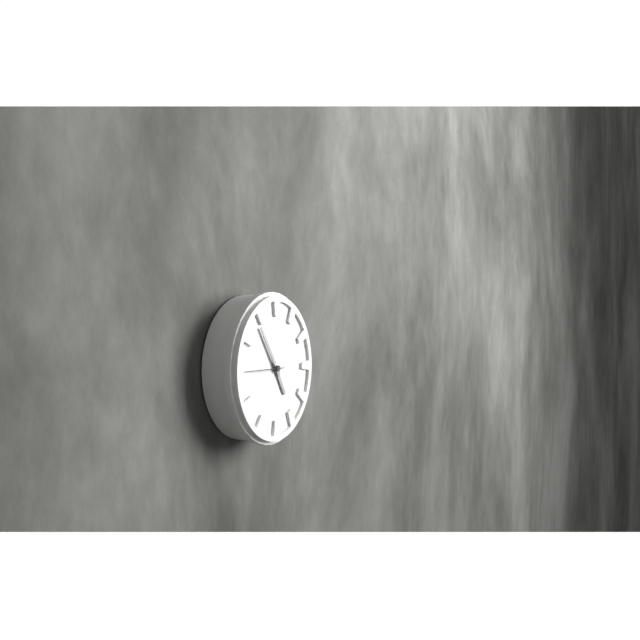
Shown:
4 h 54 min
